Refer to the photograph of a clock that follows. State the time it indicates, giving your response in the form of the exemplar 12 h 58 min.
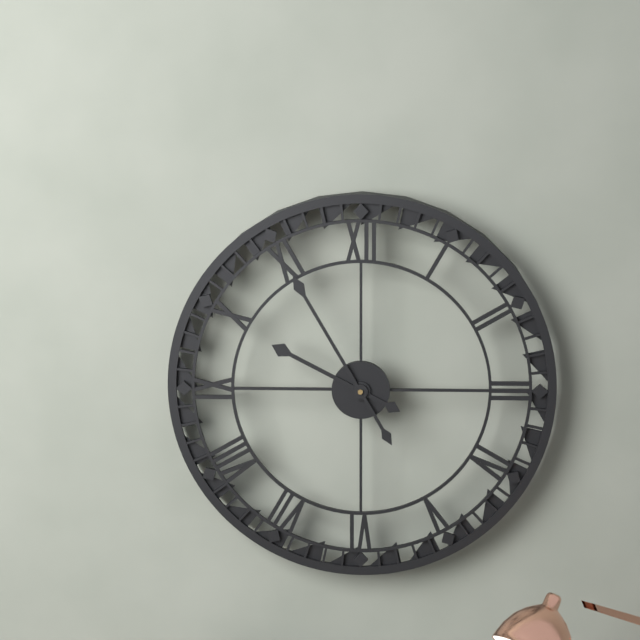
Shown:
9 h 55 min
